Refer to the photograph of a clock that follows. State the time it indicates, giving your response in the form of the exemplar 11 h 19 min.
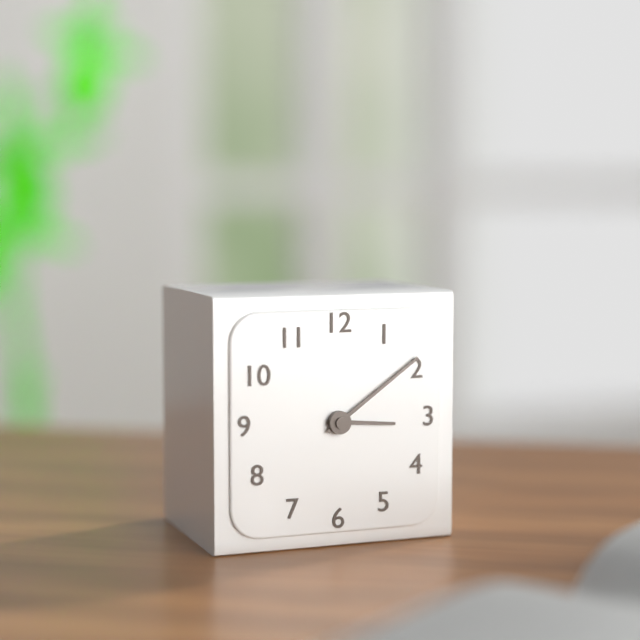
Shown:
3 h 09 min
